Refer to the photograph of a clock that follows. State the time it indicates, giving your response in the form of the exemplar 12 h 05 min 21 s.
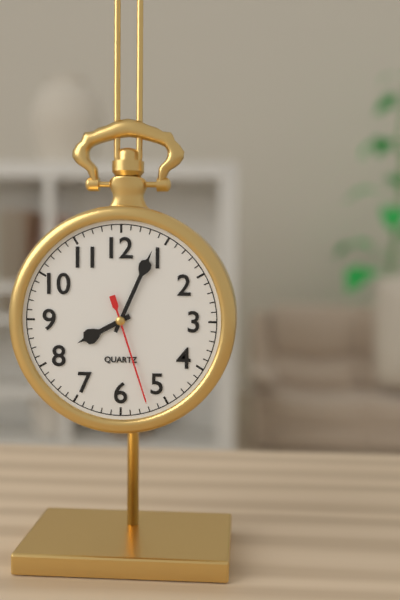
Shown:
8 h 04 min 27 s
